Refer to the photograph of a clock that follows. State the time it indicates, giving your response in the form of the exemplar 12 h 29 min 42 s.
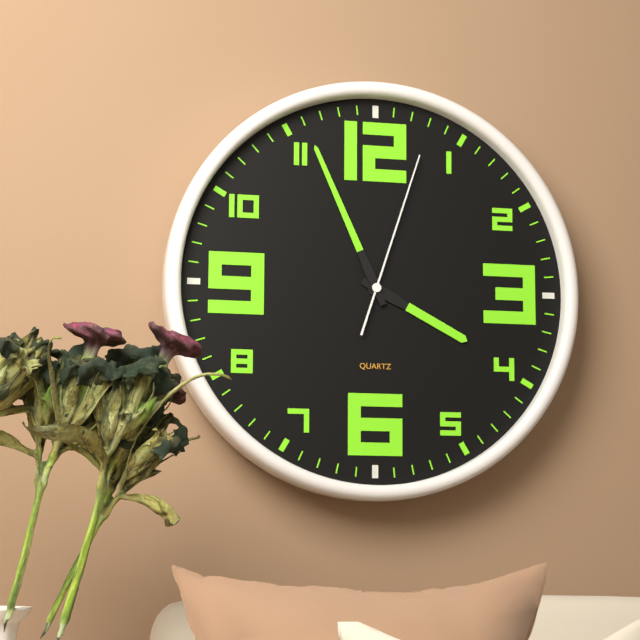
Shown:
3 h 56 min 03 s
